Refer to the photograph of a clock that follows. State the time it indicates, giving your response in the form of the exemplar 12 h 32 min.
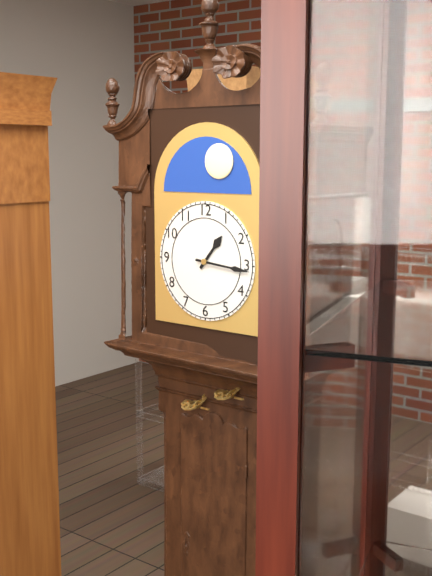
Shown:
1 h 16 min
